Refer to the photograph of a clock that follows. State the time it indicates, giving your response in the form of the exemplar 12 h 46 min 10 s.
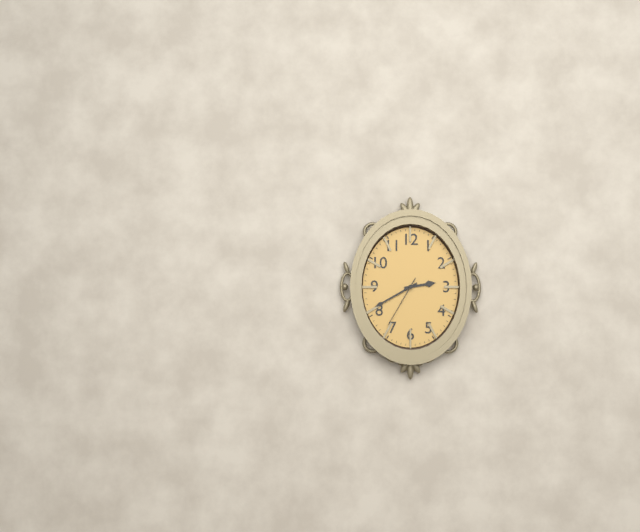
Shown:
2 h 40 min 35 s
